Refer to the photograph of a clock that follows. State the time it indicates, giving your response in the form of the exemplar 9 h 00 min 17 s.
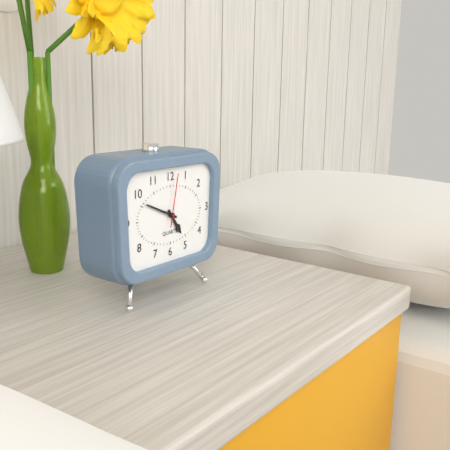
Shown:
4 h 49 min 02 s
